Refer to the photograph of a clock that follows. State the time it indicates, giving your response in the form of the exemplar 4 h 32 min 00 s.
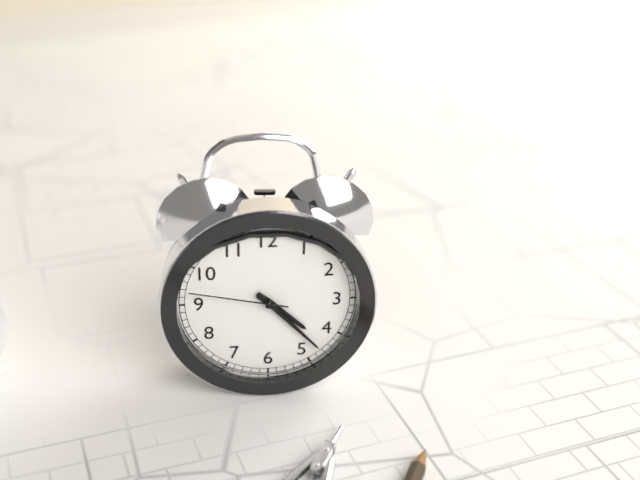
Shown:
4 h 23 min 47 s
